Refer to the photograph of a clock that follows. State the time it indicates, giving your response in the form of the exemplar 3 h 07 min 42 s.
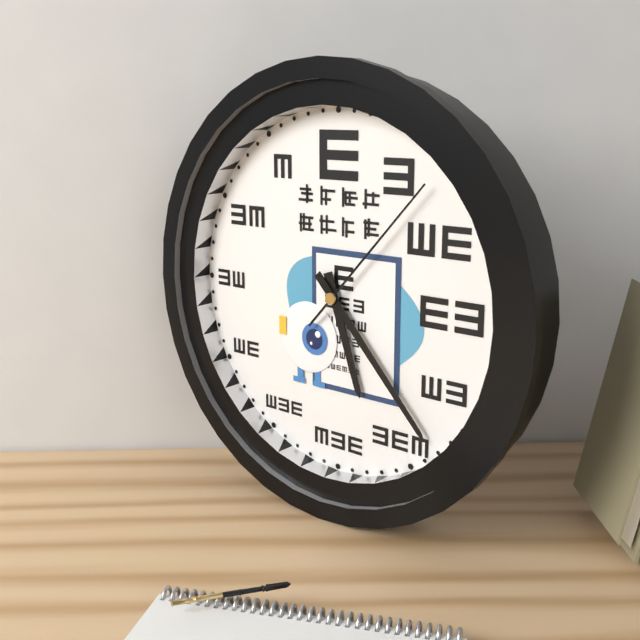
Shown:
5 h 23 min 07 s
